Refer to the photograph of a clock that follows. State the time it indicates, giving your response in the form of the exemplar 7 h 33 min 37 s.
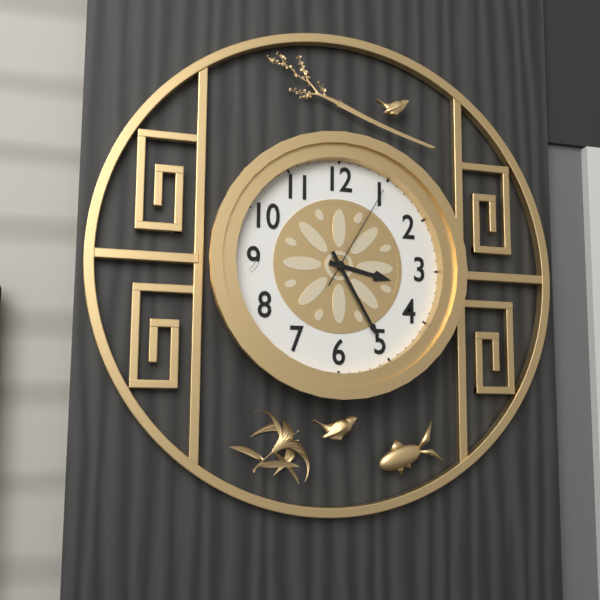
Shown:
3 h 25 min 05 s
